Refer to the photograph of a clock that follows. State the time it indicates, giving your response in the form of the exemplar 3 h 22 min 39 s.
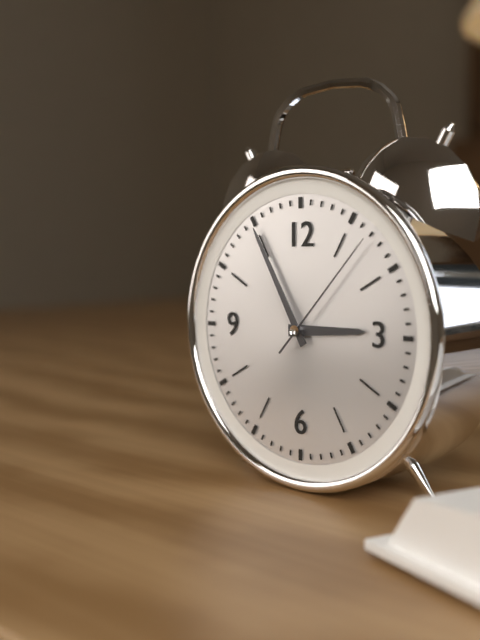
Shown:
2 h 55 min 07 s
